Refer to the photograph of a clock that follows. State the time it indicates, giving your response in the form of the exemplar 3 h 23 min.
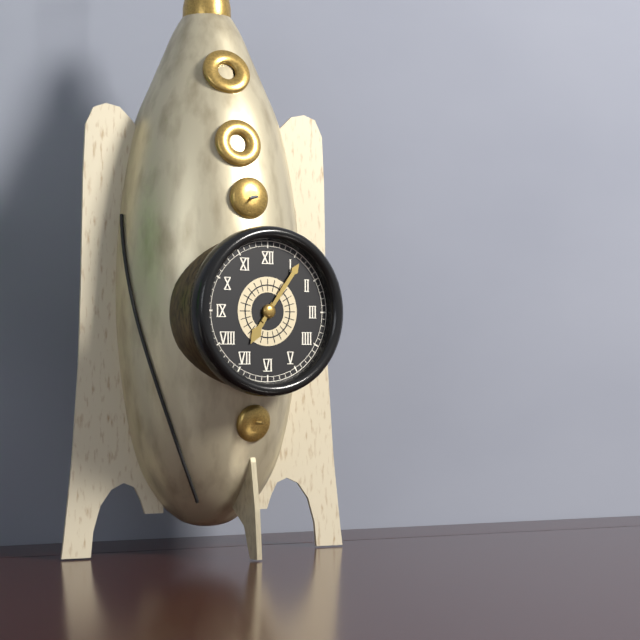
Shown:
7 h 06 min
